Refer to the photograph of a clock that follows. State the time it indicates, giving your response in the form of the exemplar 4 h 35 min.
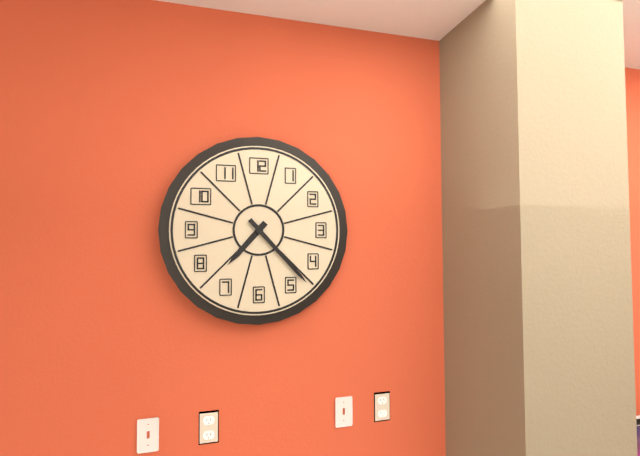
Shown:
7 h 23 min
